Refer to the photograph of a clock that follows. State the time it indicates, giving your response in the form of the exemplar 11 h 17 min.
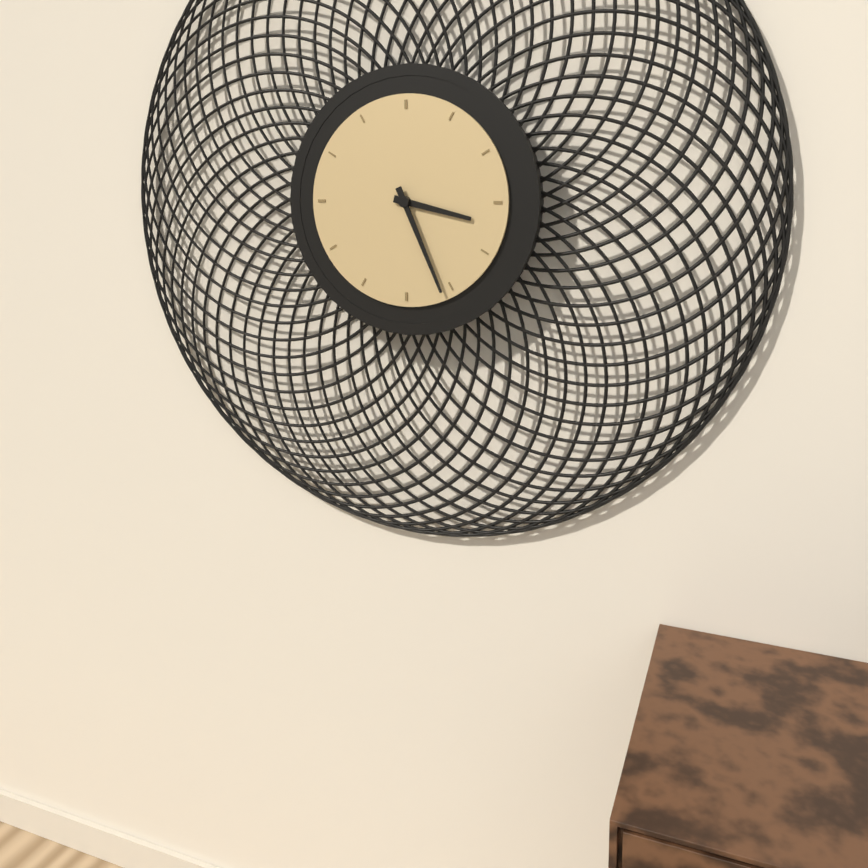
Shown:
3 h 26 min
